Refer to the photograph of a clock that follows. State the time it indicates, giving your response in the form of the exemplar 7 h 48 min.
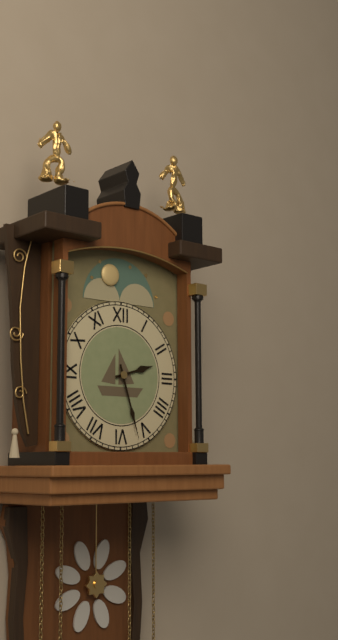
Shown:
2 h 27 min
